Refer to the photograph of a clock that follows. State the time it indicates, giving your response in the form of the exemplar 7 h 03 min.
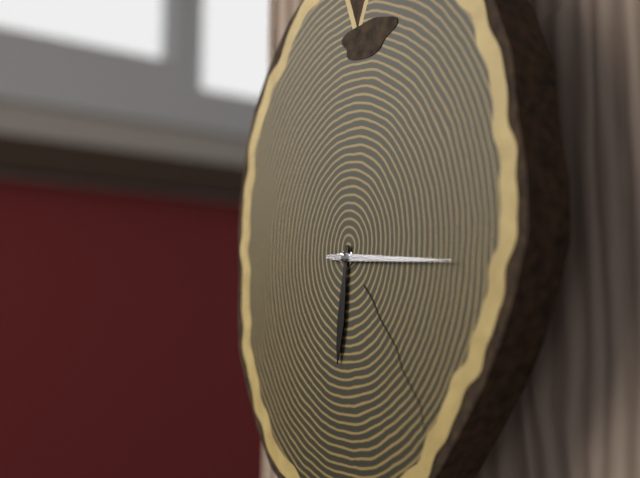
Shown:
6 h 16 min
